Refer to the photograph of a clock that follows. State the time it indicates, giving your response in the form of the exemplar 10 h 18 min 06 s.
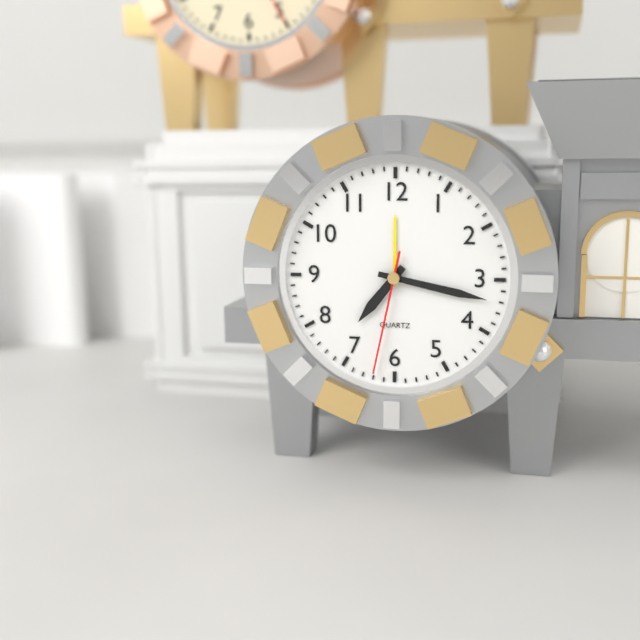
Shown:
7 h 17 min 32 s
